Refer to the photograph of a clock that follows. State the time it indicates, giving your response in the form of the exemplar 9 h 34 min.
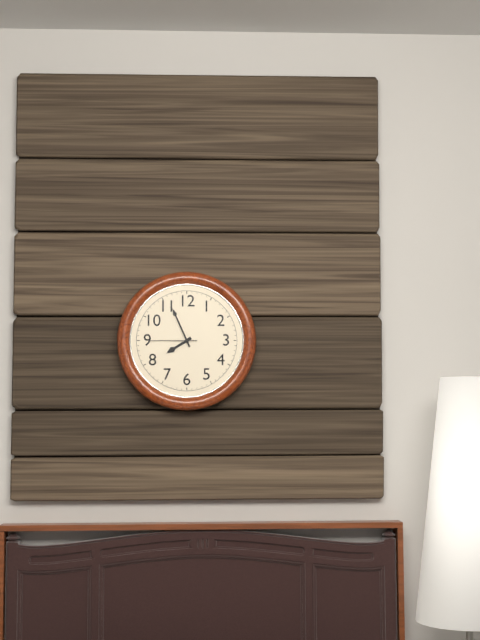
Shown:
7 h 56 min
